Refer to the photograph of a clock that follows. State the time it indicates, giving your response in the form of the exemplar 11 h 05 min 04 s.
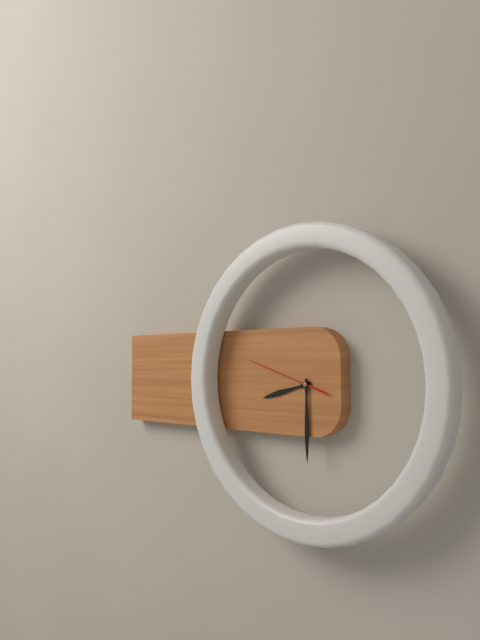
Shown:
8 h 30 min 48 s
